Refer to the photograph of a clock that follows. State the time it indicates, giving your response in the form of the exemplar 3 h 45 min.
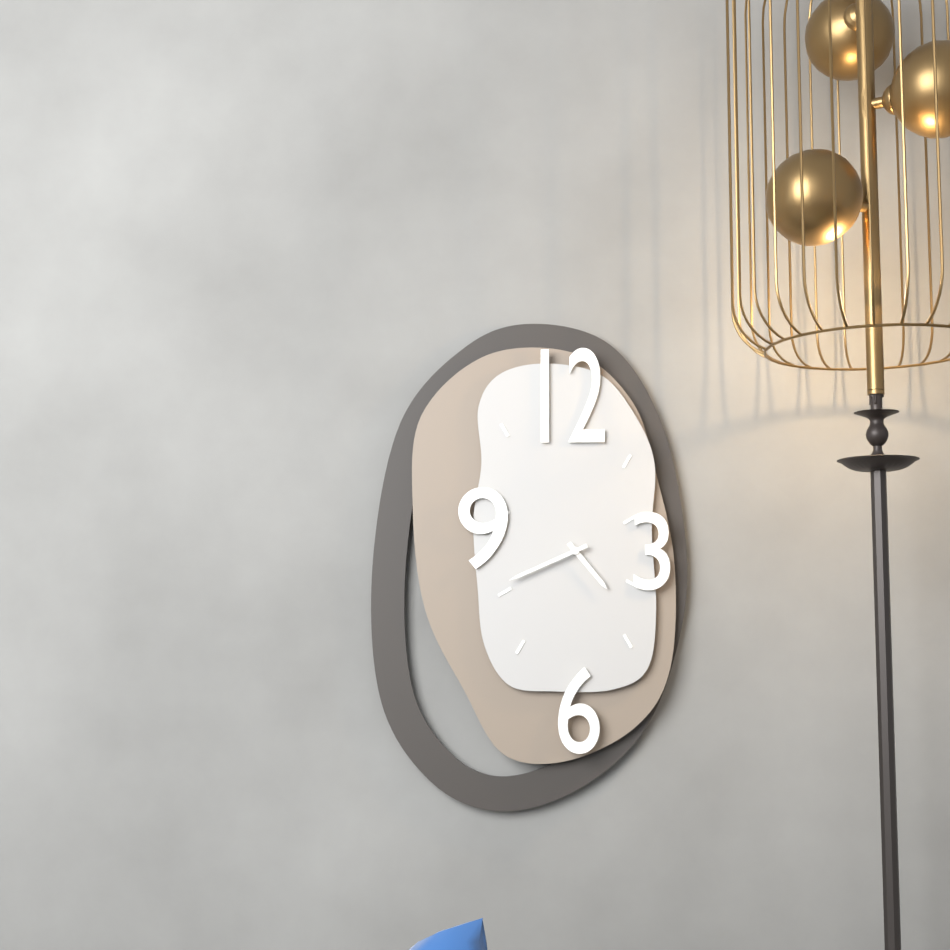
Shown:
4 h 41 min
